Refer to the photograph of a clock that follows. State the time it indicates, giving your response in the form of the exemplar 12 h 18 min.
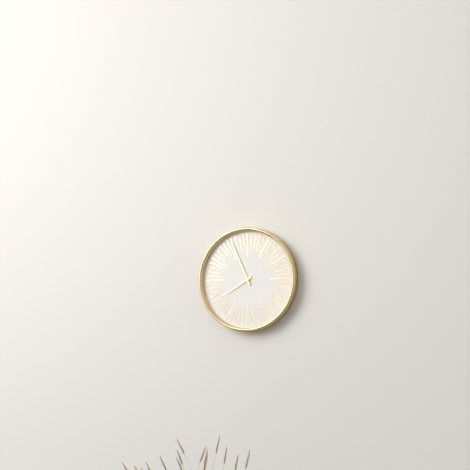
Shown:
7 h 56 min
